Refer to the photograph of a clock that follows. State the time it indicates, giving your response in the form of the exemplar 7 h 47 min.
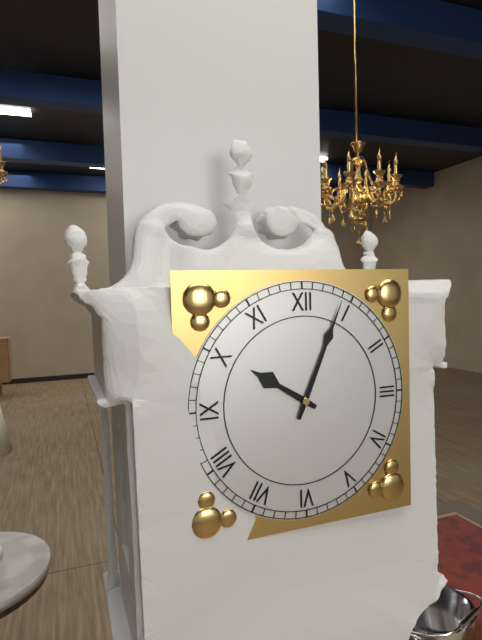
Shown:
10 h 04 min
